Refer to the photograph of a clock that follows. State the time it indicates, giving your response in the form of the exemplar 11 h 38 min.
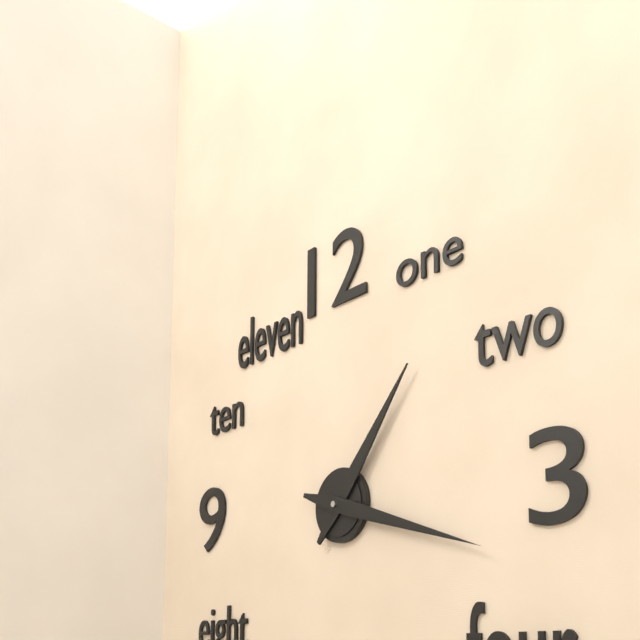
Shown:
1 h 18 min
